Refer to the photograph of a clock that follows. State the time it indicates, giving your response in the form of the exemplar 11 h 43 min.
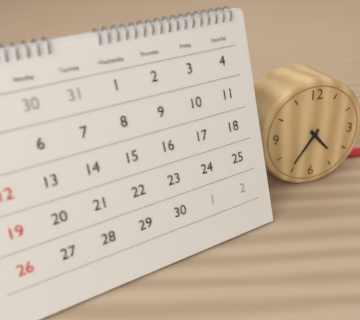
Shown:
4 h 36 min
